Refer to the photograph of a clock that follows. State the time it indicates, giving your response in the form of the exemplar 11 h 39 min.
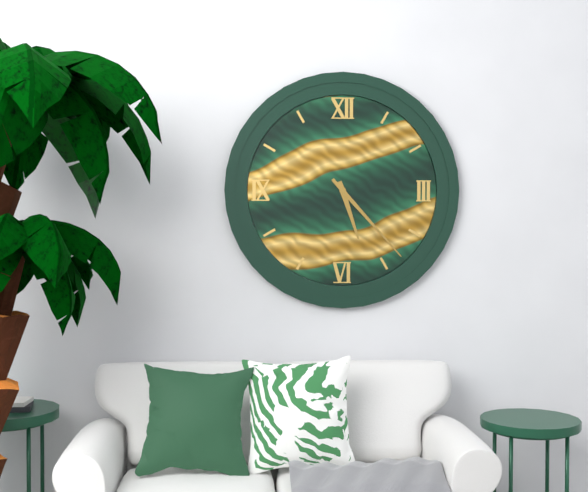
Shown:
5 h 23 min
